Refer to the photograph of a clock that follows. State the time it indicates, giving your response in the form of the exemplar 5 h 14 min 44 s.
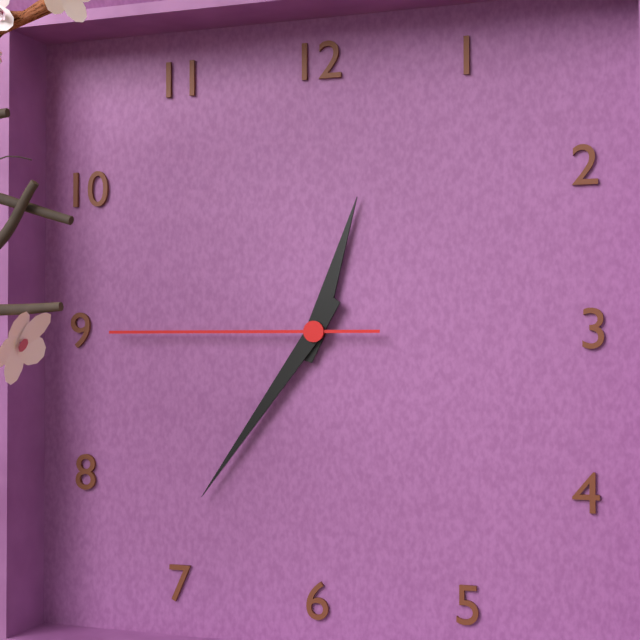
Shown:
12 h 36 min 45 s
